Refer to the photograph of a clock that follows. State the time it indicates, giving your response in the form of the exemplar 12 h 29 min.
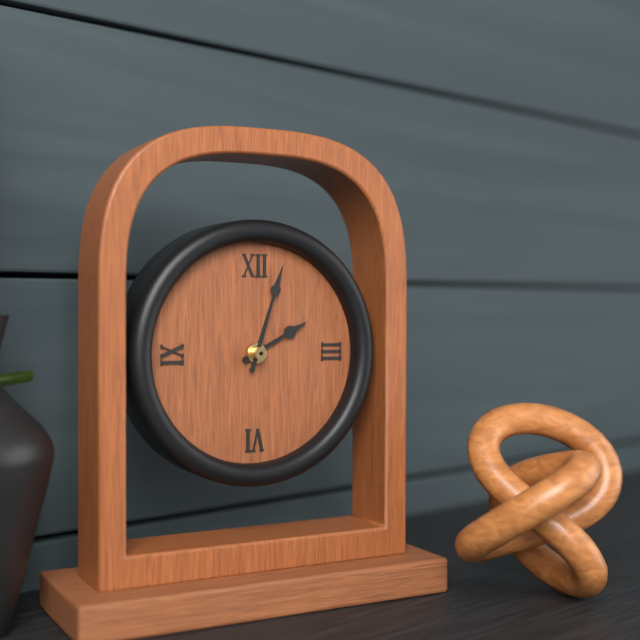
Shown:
2 h 03 min
